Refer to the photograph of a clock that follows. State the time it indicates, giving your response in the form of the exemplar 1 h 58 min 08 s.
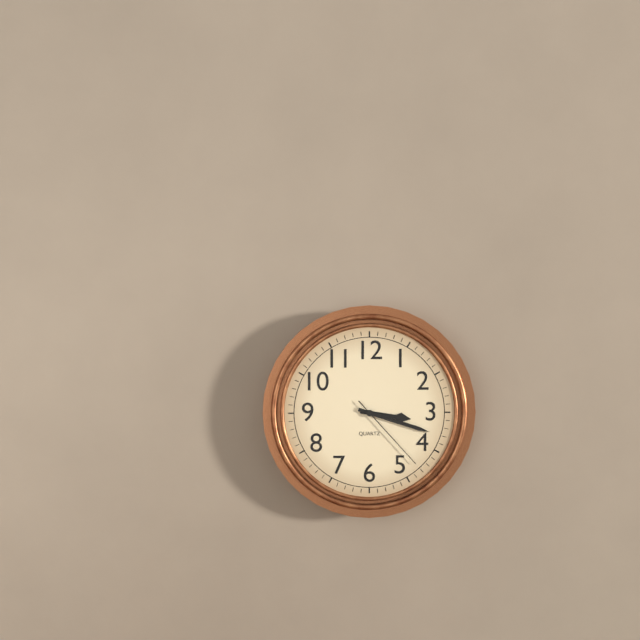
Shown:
3 h 18 min 23 s
